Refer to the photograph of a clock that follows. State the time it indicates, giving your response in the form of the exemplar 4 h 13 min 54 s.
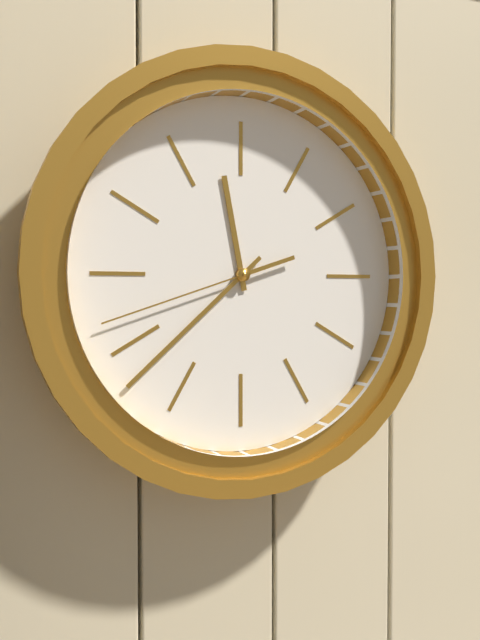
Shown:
11 h 38 min 42 s
